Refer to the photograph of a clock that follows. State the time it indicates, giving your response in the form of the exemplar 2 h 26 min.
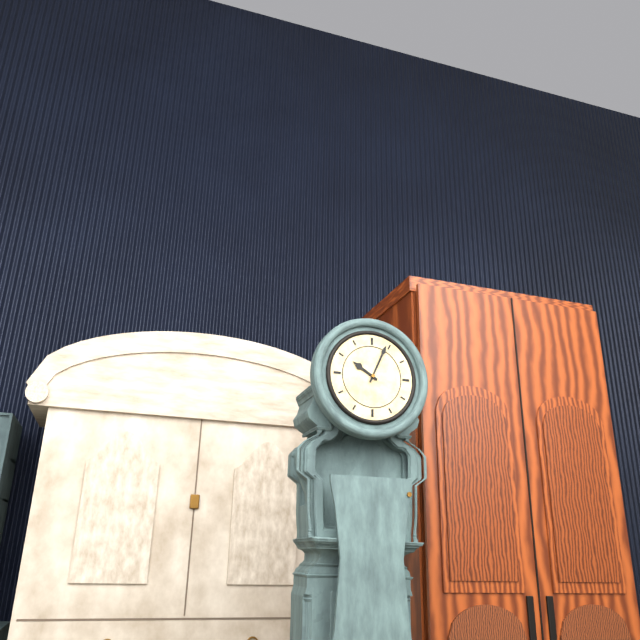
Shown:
10 h 04 min
